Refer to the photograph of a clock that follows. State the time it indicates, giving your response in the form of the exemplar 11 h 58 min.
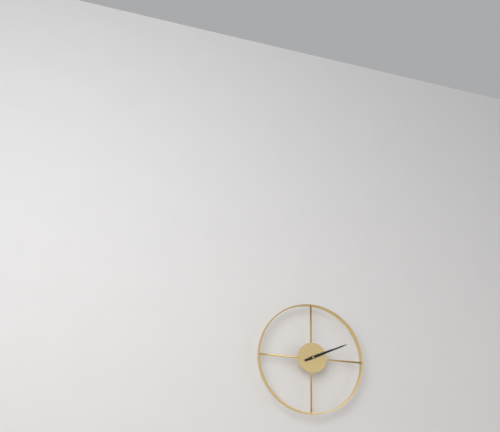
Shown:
2 h 11 min
